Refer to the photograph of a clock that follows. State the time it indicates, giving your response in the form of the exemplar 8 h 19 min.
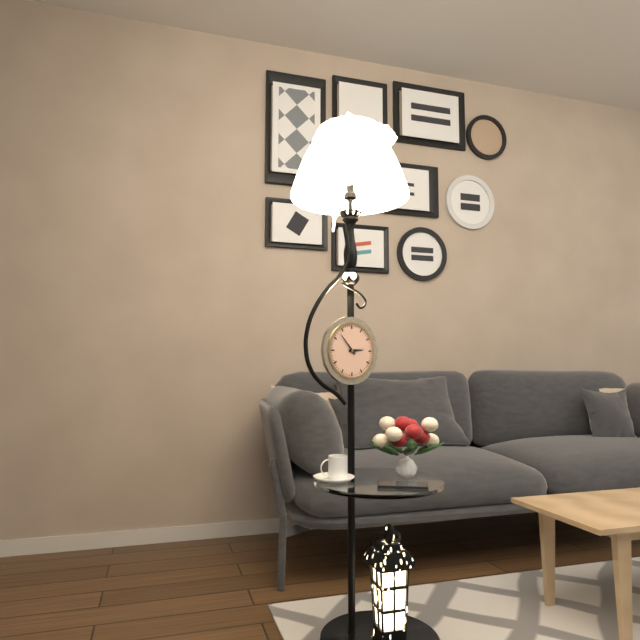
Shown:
2 h 53 min
